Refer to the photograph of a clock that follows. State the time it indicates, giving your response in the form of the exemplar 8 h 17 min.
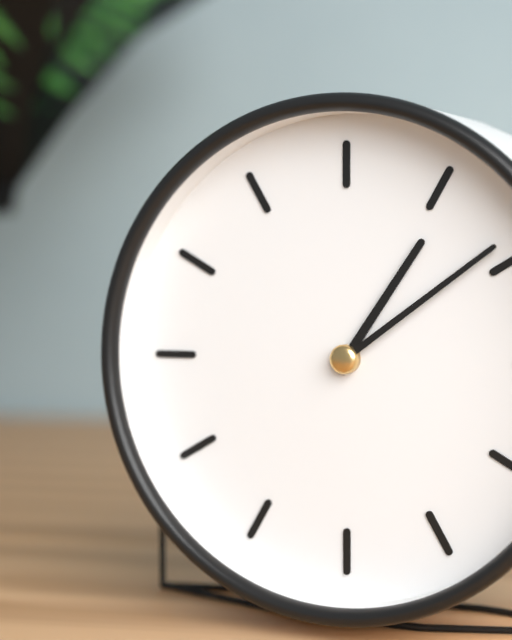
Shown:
1 h 09 min
